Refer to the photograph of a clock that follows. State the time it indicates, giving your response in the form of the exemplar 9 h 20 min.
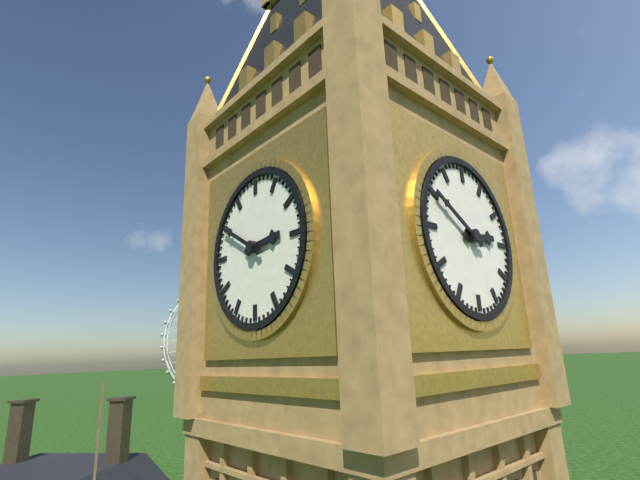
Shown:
2 h 50 min
